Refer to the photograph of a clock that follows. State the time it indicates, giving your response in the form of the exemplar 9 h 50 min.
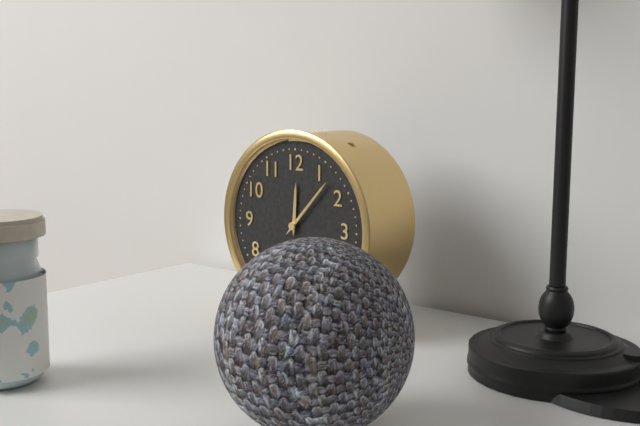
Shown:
12 h 07 min
